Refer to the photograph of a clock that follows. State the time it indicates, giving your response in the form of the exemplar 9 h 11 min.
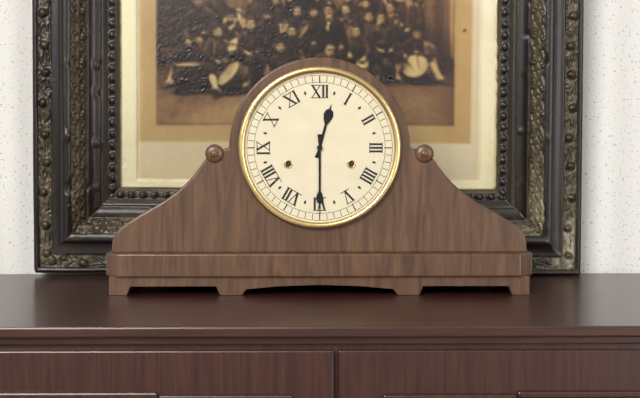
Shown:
12 h 30 min
